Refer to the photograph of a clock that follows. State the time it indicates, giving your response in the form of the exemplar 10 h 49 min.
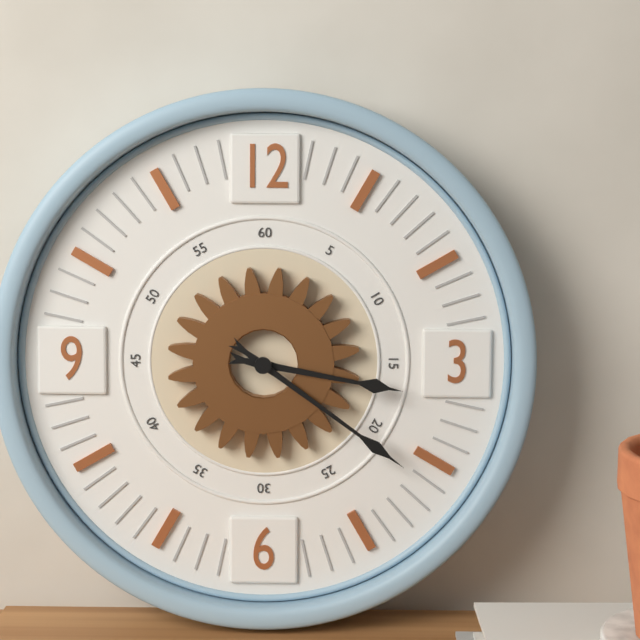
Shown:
3 h 21 min
